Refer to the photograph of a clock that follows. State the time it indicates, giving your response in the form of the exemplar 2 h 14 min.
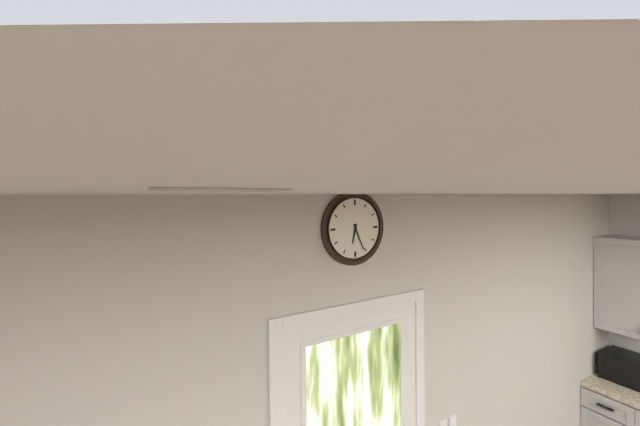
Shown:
6 h 26 min
